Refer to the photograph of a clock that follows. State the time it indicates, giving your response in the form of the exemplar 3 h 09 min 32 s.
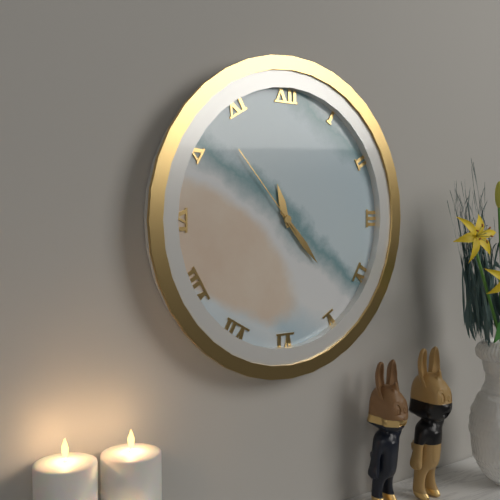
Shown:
11 h 23 min 53 s
